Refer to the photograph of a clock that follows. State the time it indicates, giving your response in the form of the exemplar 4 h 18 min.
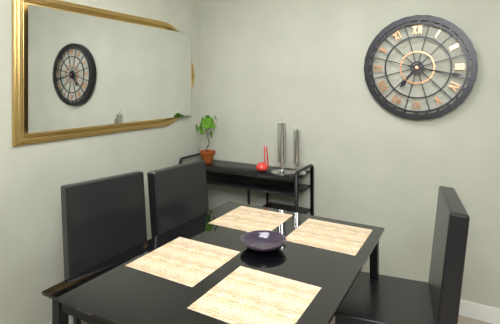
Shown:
7 h 17 min
